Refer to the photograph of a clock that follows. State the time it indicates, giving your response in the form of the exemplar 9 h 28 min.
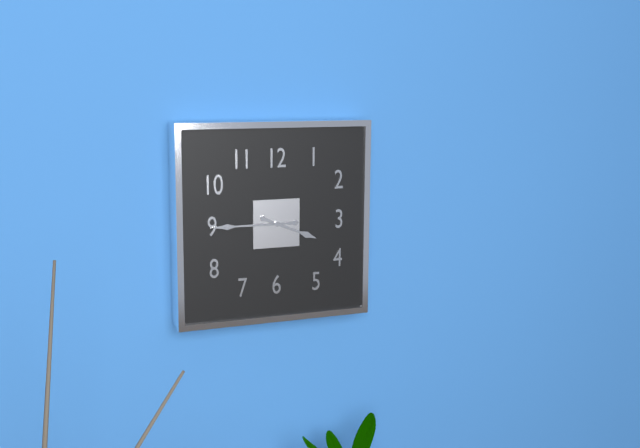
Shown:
3 h 45 min
